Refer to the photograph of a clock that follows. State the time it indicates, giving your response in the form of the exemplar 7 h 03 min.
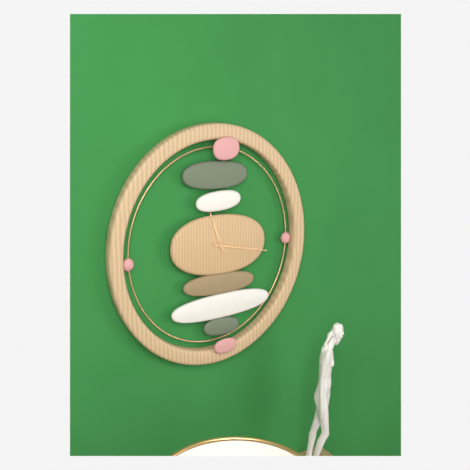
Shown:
11 h 17 min
